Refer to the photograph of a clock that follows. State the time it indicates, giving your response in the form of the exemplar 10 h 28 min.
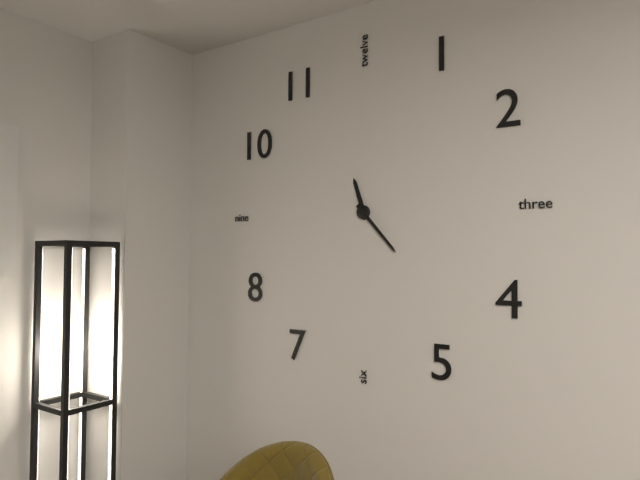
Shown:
11 h 23 min
